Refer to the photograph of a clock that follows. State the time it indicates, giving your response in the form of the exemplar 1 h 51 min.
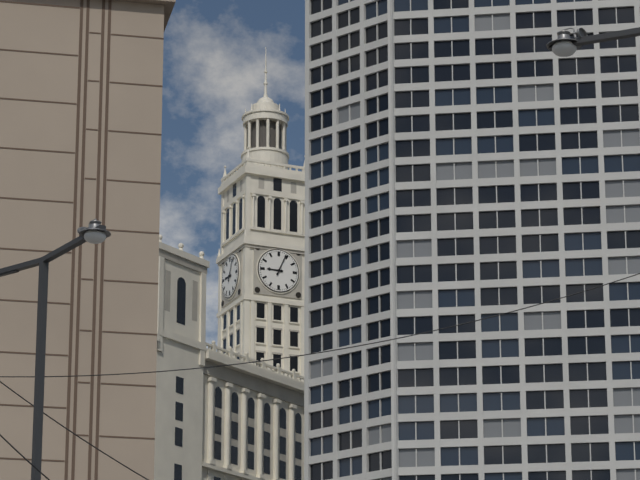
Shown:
9 h 04 min
